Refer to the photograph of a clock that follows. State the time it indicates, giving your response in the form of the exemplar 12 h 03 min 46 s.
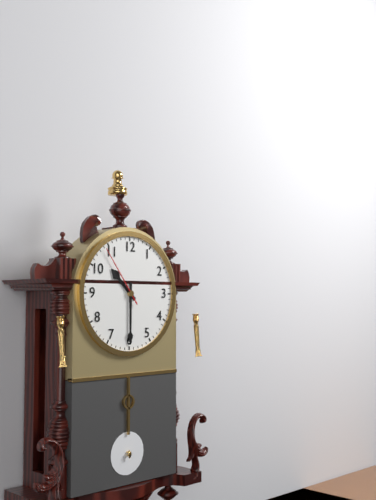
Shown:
10 h 30 min 54 s
